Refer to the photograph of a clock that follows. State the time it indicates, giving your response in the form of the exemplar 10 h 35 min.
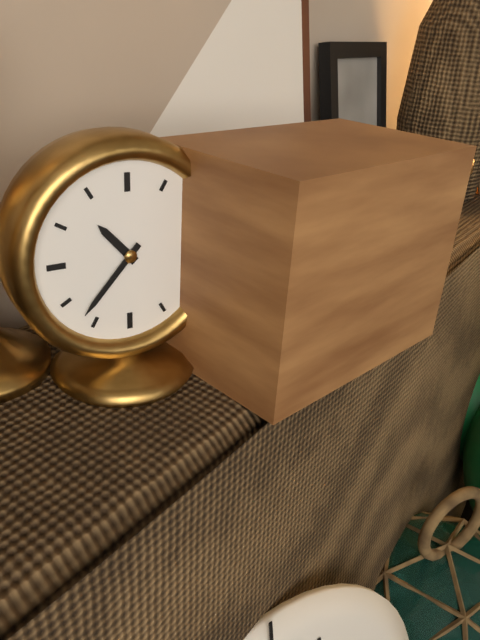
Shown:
10 h 37 min
